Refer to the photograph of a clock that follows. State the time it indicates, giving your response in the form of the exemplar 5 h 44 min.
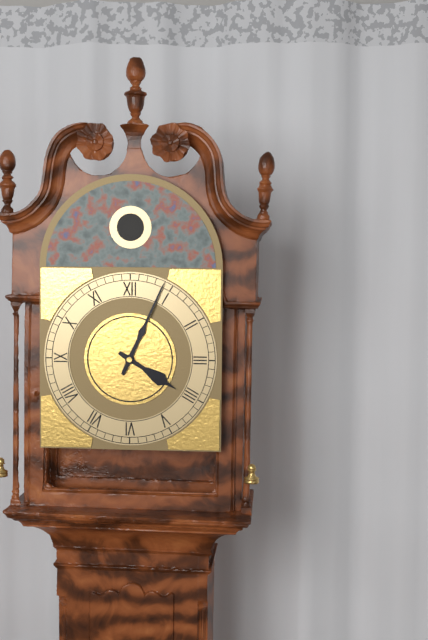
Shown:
4 h 04 min
